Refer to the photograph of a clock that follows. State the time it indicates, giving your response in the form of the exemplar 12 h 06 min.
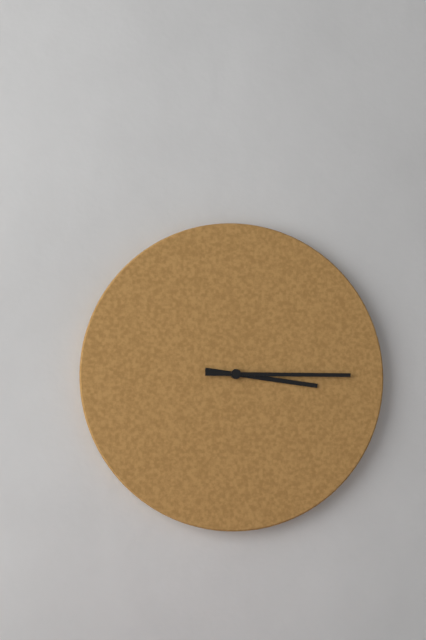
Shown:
3 h 15 min
